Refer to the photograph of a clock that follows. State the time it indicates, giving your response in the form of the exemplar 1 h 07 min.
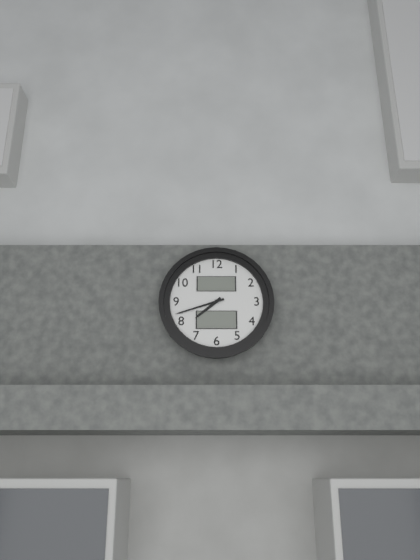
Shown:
7 h 42 min
